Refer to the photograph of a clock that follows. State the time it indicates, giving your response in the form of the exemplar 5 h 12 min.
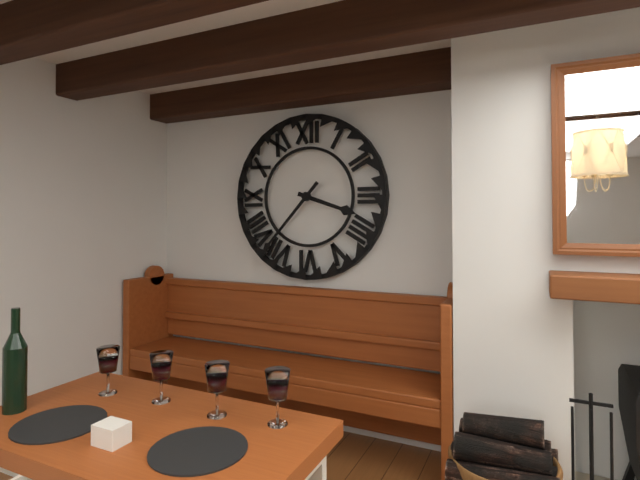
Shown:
3 h 37 min
